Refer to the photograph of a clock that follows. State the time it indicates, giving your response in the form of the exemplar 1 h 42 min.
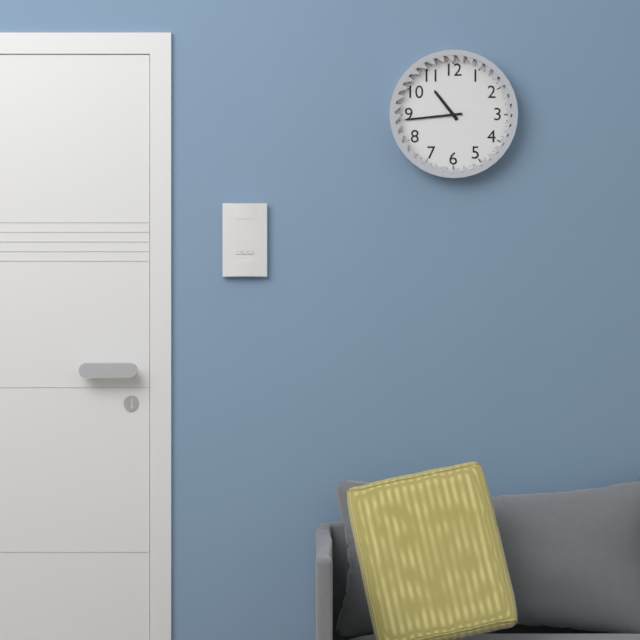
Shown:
10 h 44 min
